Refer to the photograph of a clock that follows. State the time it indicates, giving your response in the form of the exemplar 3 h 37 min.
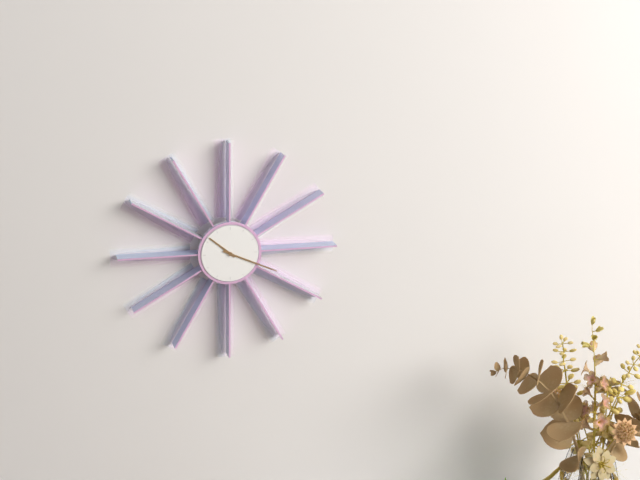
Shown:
10 h 19 min
